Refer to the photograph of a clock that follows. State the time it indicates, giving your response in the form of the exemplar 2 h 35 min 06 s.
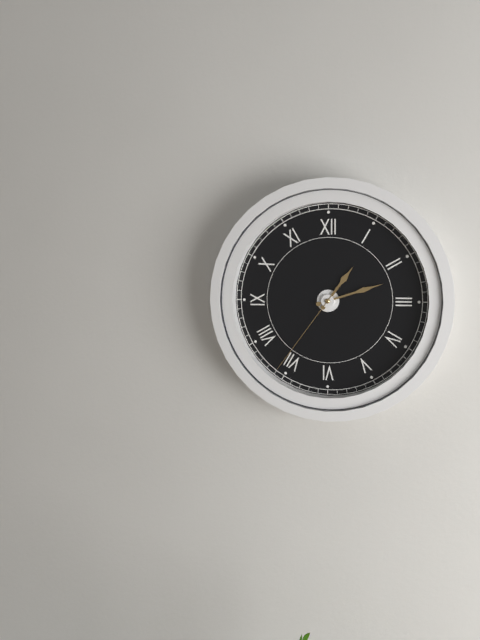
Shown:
1 h 12 min 36 s
